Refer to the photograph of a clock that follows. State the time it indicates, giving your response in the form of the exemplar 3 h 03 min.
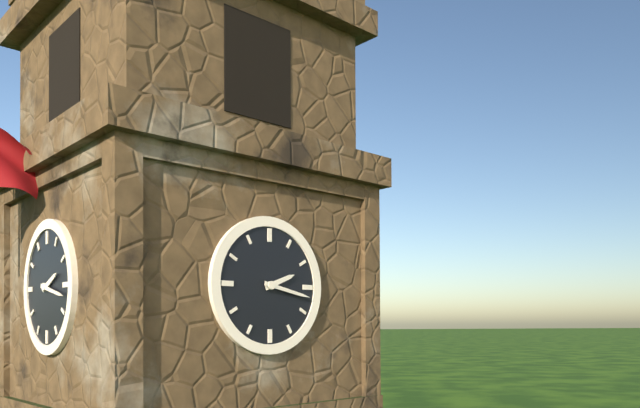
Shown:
2 h 17 min
